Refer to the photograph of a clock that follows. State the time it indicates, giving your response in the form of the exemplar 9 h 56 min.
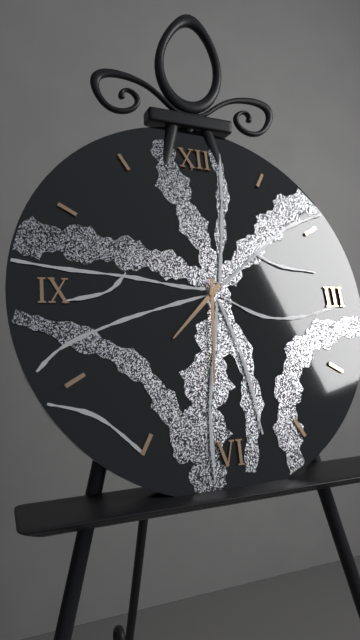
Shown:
7 h 31 min
